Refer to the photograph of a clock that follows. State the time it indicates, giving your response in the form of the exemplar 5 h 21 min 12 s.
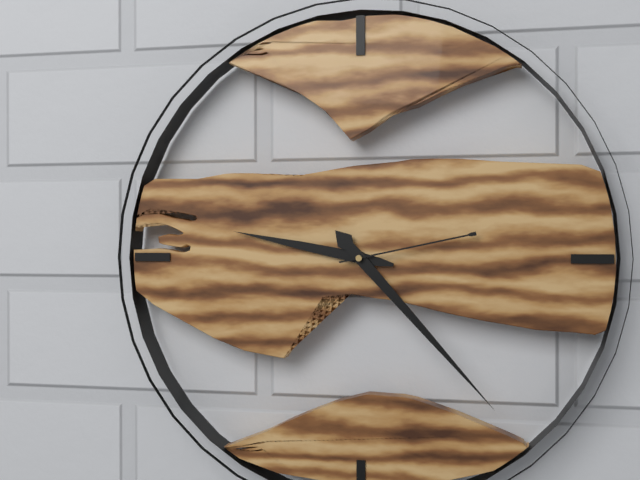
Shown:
9 h 23 min 13 s
